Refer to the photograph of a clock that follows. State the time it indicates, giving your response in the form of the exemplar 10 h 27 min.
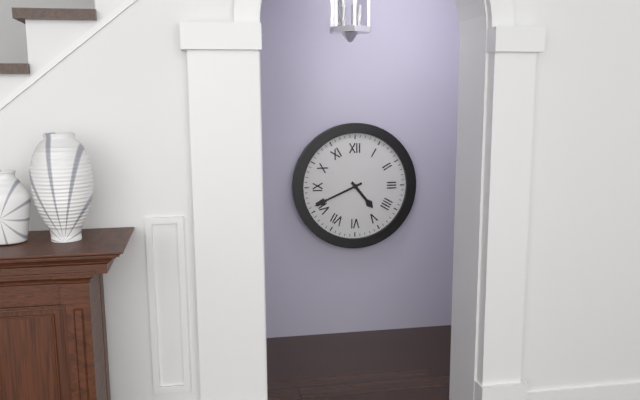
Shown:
4 h 41 min
